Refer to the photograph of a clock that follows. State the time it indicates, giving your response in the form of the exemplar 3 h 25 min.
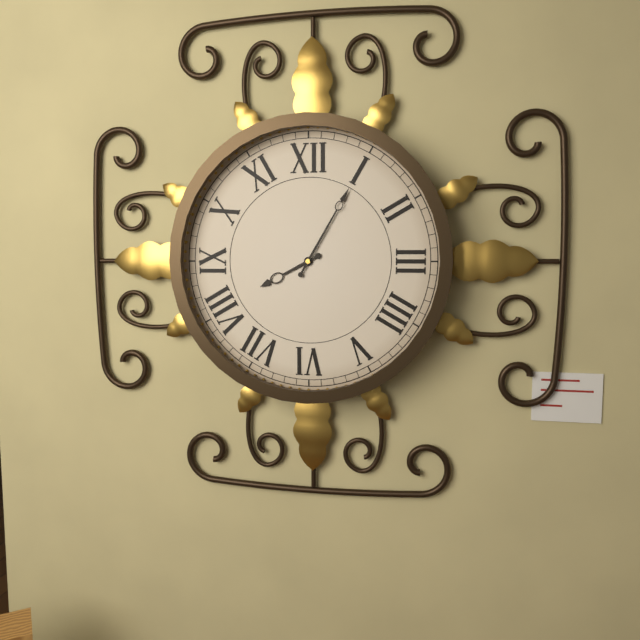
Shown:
8 h 05 min
